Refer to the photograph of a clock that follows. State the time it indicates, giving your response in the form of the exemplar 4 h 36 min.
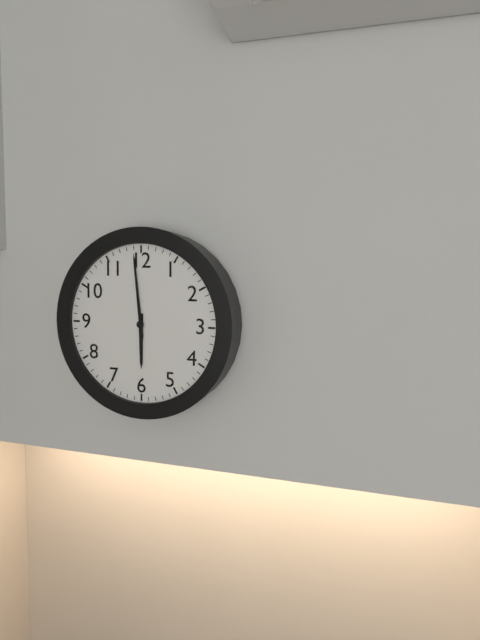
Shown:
5 h 59 min
